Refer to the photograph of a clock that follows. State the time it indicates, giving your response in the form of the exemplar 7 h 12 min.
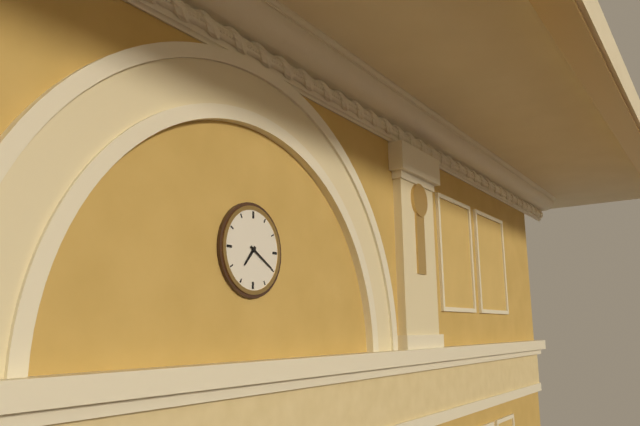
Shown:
7 h 20 min
